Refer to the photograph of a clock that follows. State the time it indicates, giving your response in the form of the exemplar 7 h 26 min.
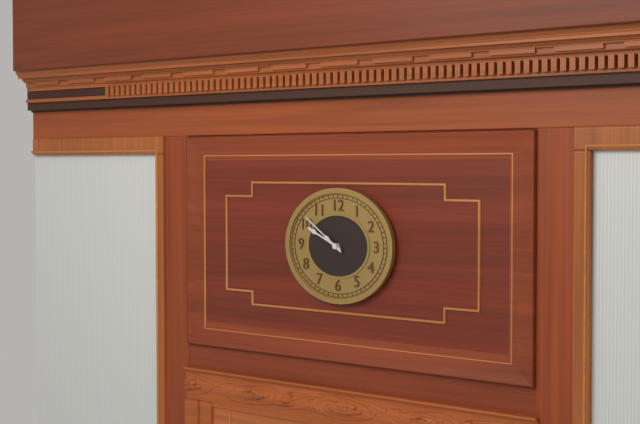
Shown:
9 h 51 min
